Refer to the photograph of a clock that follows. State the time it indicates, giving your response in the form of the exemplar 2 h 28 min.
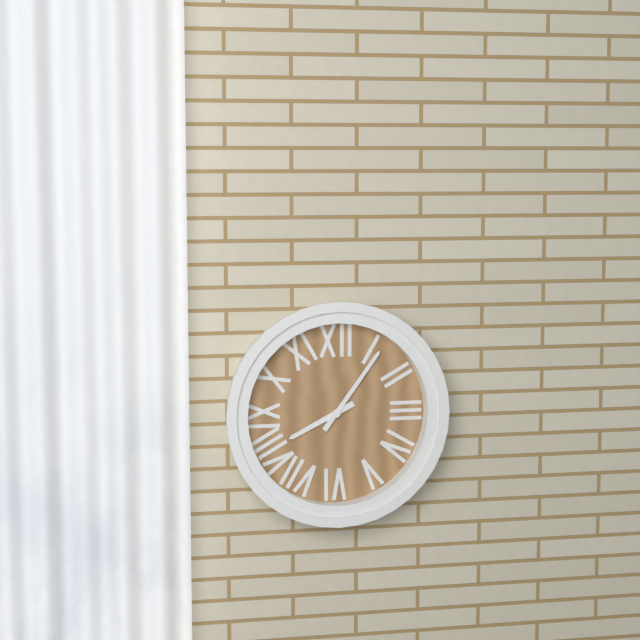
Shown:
8 h 06 min
